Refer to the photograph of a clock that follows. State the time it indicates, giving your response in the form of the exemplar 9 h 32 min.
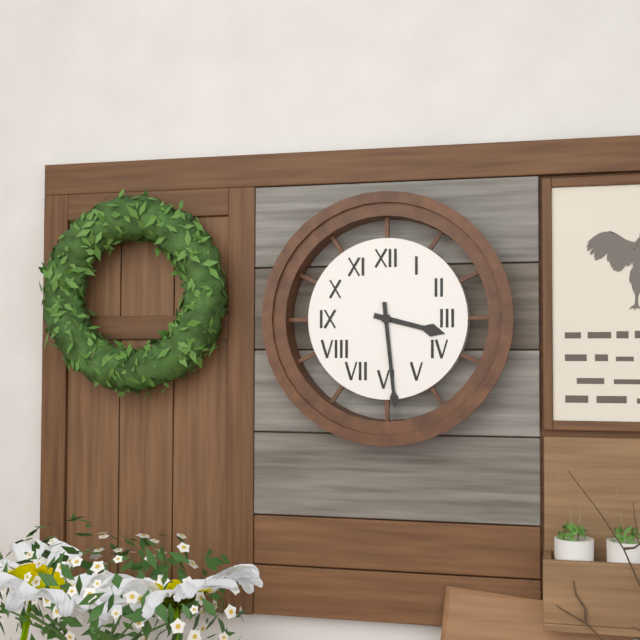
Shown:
3 h 29 min
